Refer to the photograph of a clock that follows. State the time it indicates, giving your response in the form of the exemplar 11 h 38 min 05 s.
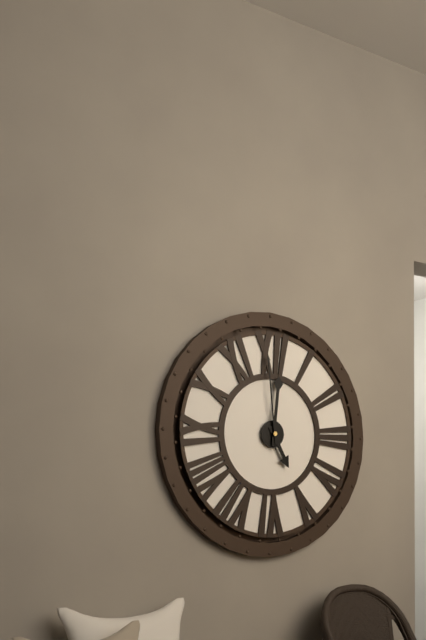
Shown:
5 h 01 min 59 s
